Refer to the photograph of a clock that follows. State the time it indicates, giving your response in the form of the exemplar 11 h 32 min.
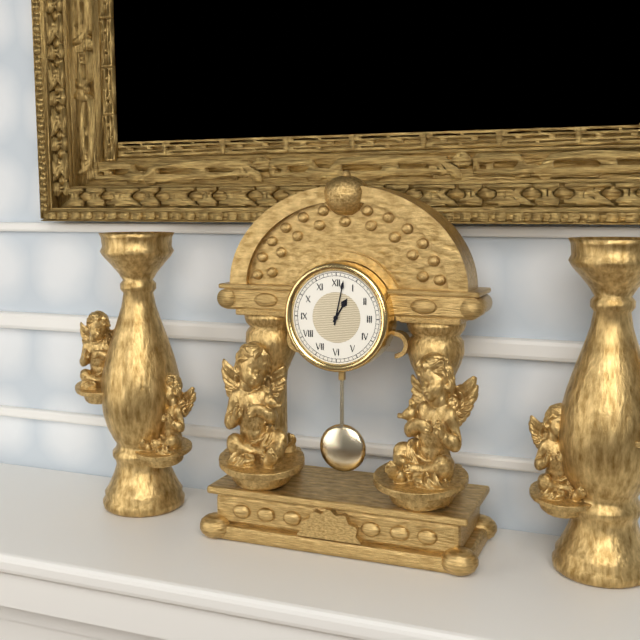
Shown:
1 h 02 min
